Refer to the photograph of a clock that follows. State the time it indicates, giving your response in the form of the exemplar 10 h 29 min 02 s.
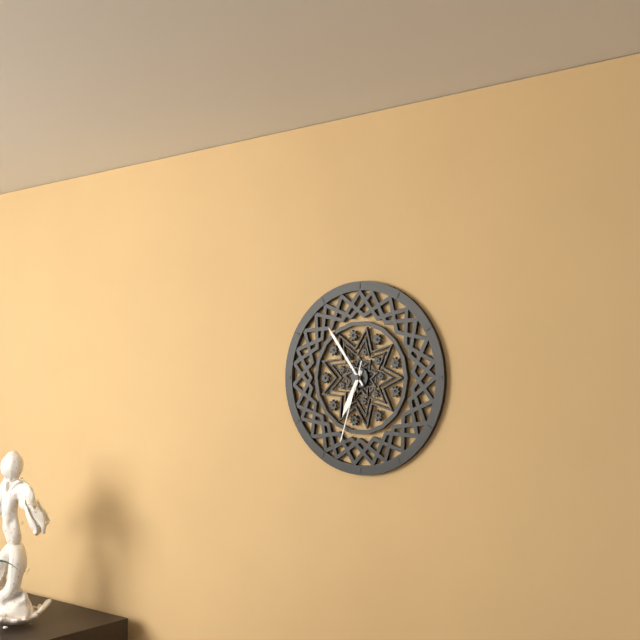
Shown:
6 h 54 min 33 s
